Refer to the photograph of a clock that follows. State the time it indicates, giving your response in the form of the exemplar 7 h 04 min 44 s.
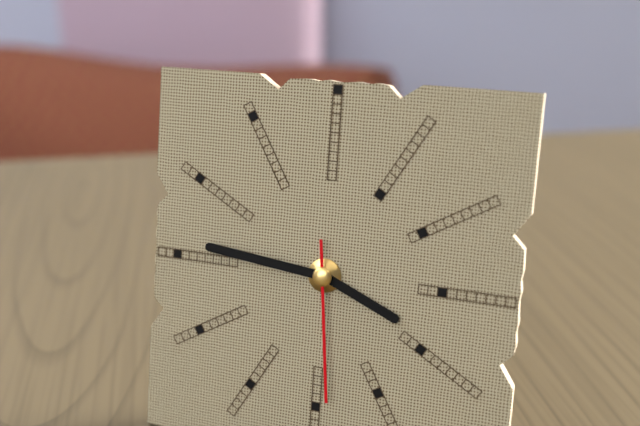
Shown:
3 h 46 min 29 s
